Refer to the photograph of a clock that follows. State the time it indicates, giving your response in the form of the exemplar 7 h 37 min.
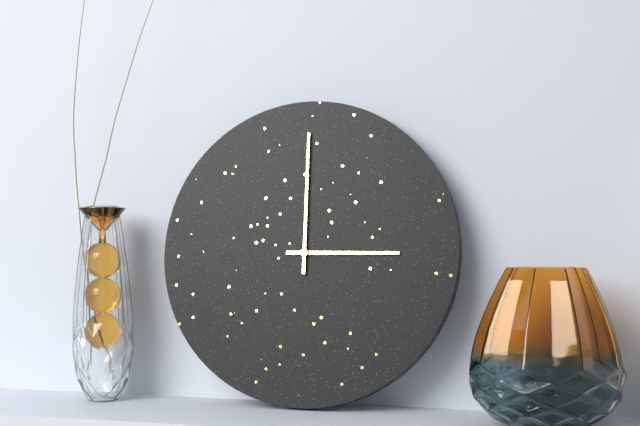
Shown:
3 h 00 min
